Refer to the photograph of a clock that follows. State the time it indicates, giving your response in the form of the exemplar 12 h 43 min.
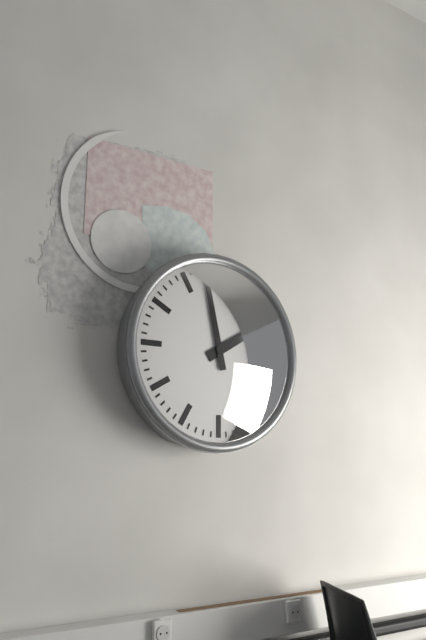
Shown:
1 h 58 min
